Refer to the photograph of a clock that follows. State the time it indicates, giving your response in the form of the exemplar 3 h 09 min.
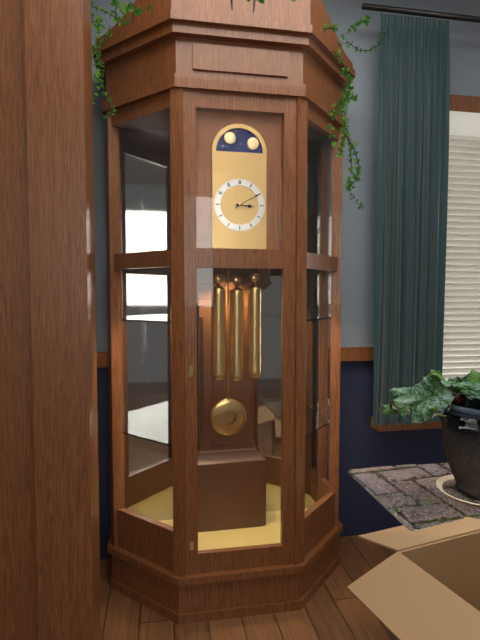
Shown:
3 h 10 min
